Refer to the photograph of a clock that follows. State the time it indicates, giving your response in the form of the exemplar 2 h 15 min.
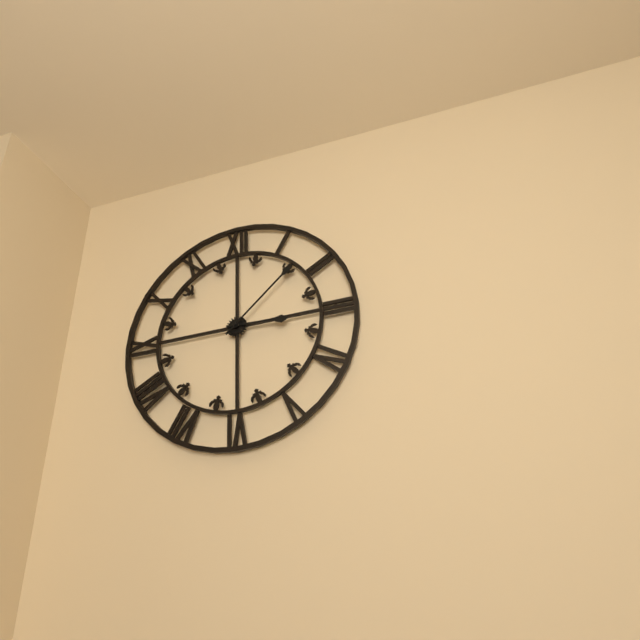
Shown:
3 h 08 min
